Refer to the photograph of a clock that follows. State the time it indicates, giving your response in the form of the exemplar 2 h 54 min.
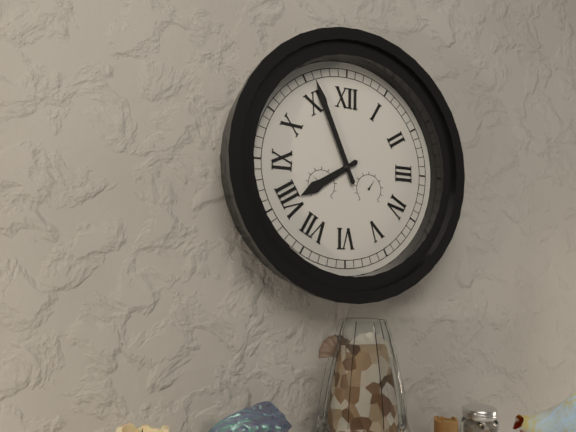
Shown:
7 h 56 min
